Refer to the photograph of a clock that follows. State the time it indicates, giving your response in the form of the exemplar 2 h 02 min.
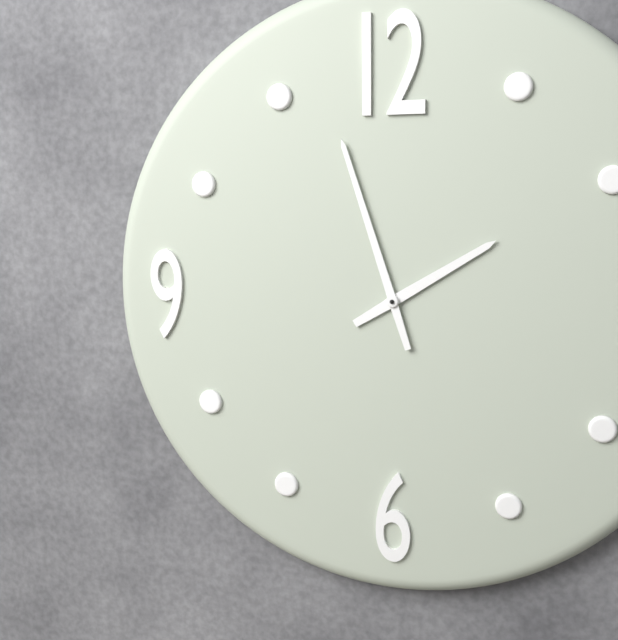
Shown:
1 h 57 min
